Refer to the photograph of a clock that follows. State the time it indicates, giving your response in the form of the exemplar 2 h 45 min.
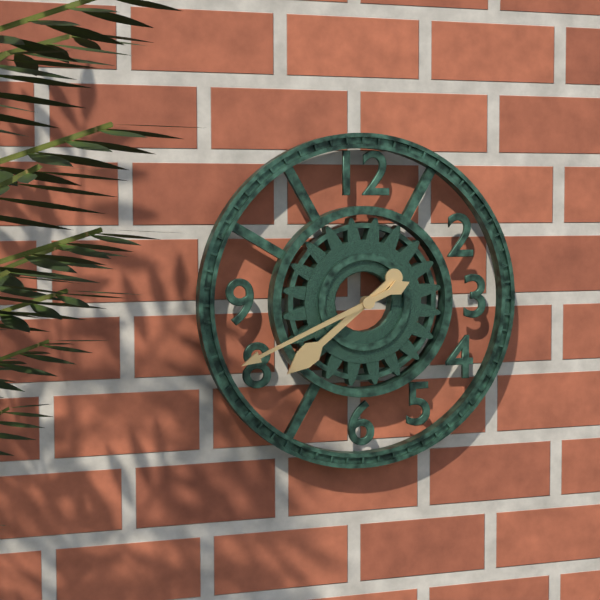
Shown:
7 h 41 min
